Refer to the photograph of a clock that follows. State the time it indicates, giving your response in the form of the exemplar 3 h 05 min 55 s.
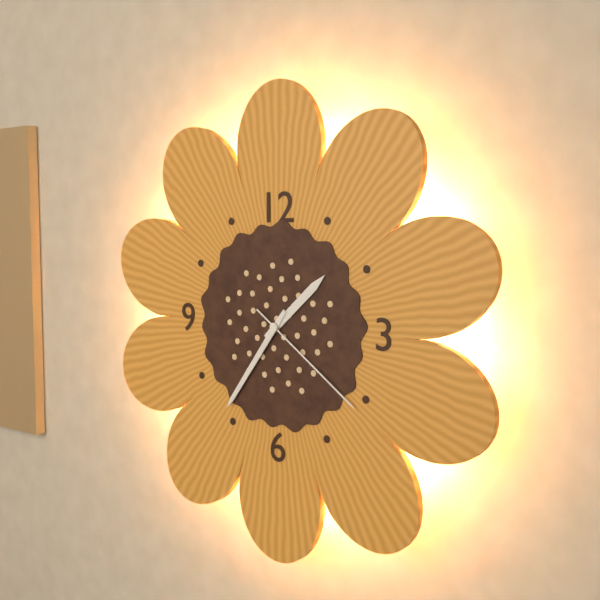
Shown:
1 h 36 min 21 s
